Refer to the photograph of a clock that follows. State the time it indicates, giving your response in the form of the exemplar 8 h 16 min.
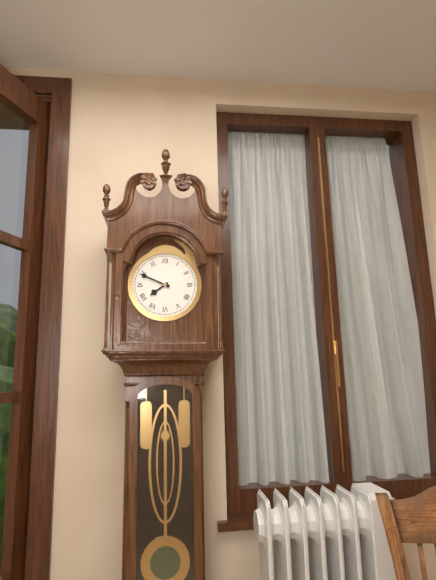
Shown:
7 h 49 min
